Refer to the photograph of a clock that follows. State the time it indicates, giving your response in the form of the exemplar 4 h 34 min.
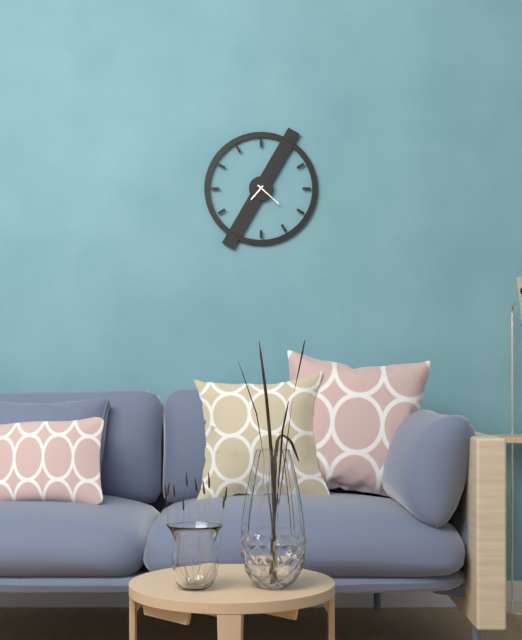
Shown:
7 h 22 min
